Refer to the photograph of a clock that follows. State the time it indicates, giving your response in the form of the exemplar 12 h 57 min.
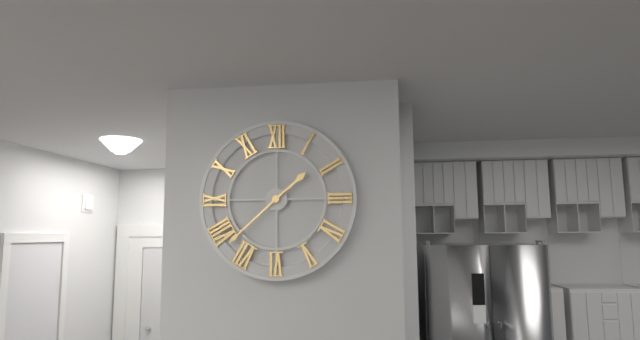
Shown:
1 h 38 min
